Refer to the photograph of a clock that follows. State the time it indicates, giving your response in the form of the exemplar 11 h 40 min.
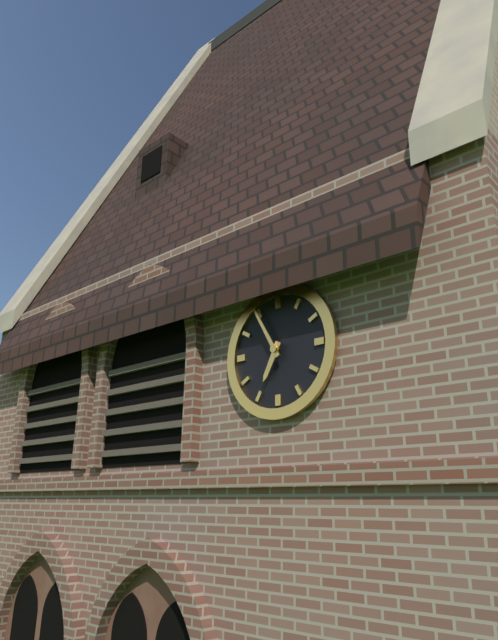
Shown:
6 h 55 min
